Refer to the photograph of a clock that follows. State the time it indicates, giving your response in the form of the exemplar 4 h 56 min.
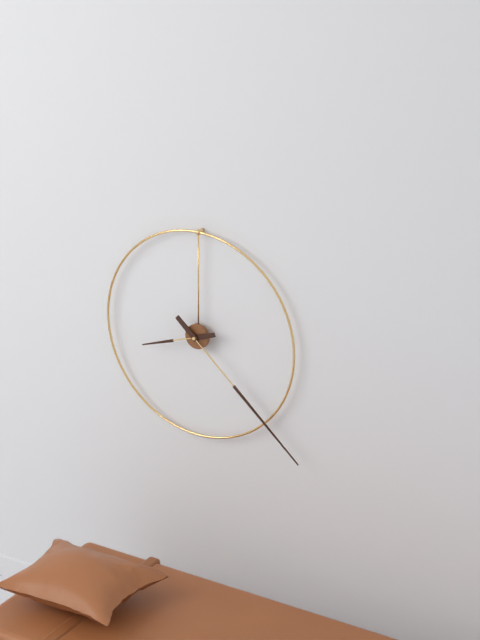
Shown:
8 h 22 min
